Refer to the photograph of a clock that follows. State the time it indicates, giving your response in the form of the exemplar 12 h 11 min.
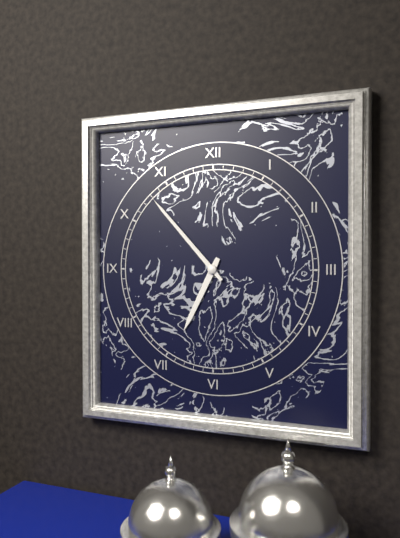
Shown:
6 h 53 min
